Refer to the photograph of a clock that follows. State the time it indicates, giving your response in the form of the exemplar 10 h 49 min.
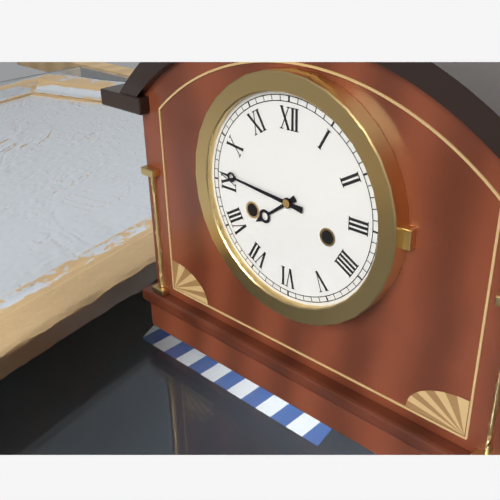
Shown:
7 h 46 min
